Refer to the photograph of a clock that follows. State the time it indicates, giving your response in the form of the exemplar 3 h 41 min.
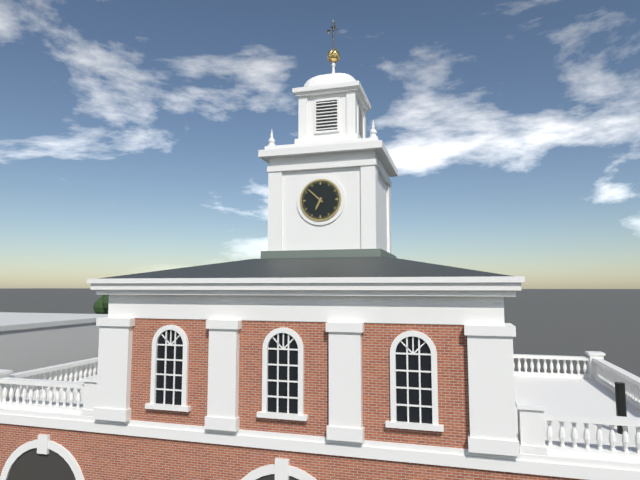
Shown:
6 h 52 min
